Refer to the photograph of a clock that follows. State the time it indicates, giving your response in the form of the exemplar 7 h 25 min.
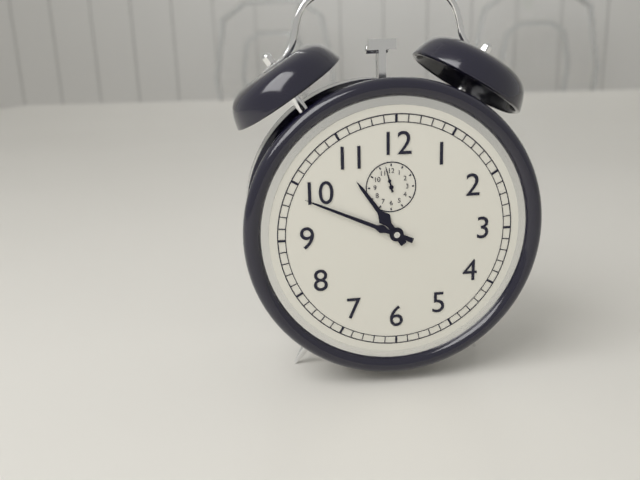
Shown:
10 h 49 min
